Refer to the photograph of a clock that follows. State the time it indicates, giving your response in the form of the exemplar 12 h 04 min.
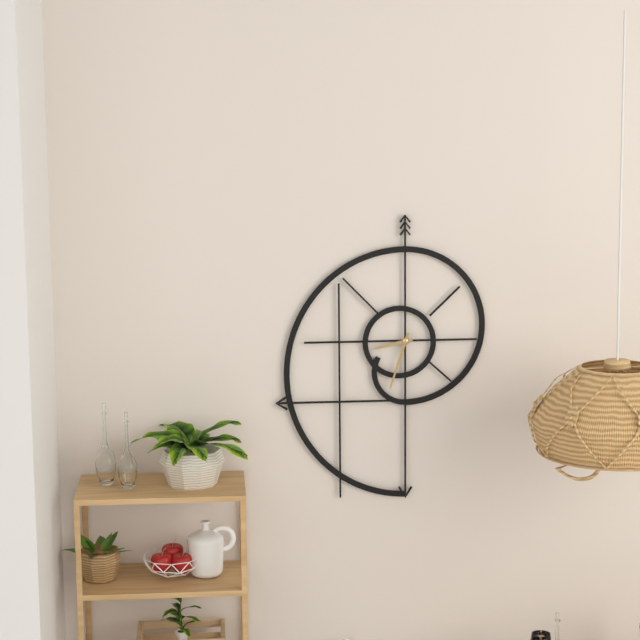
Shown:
8 h 33 min
